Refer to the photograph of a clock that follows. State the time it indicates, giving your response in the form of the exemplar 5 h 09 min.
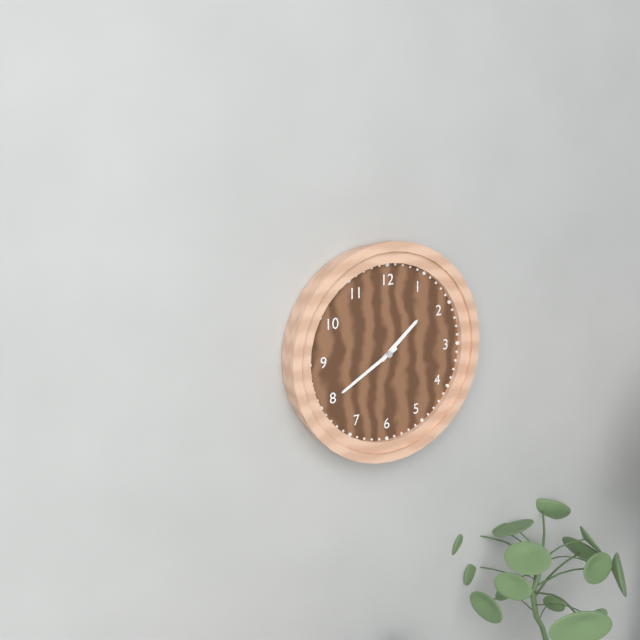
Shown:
1 h 40 min
